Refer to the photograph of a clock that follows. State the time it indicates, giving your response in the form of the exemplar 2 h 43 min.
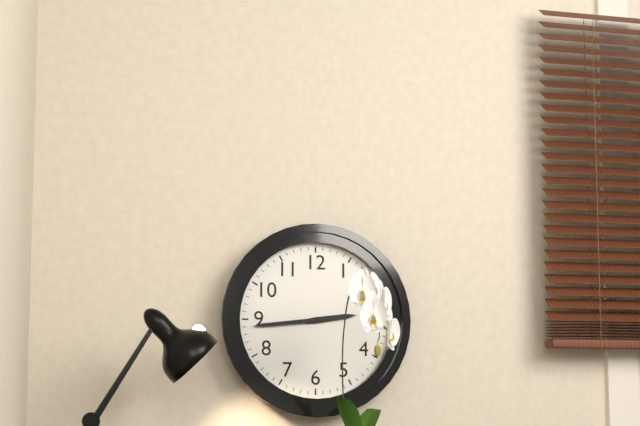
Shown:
2 h 44 min
